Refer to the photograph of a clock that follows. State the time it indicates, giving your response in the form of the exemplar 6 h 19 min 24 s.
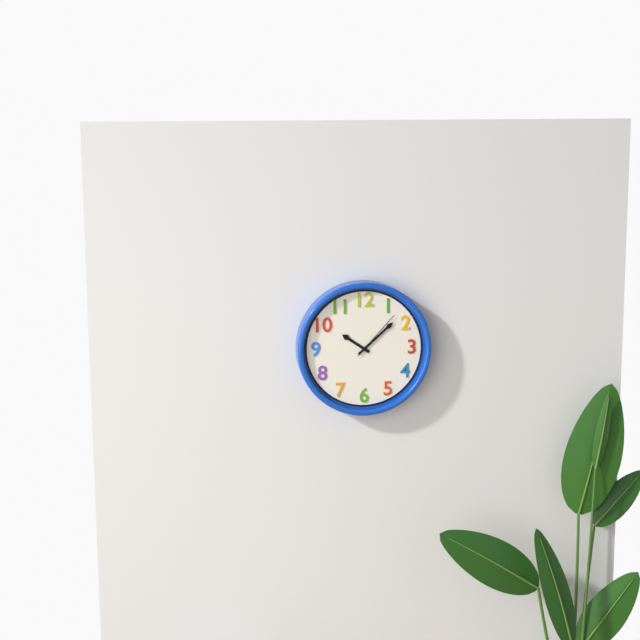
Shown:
10 h 08 min 07 s
